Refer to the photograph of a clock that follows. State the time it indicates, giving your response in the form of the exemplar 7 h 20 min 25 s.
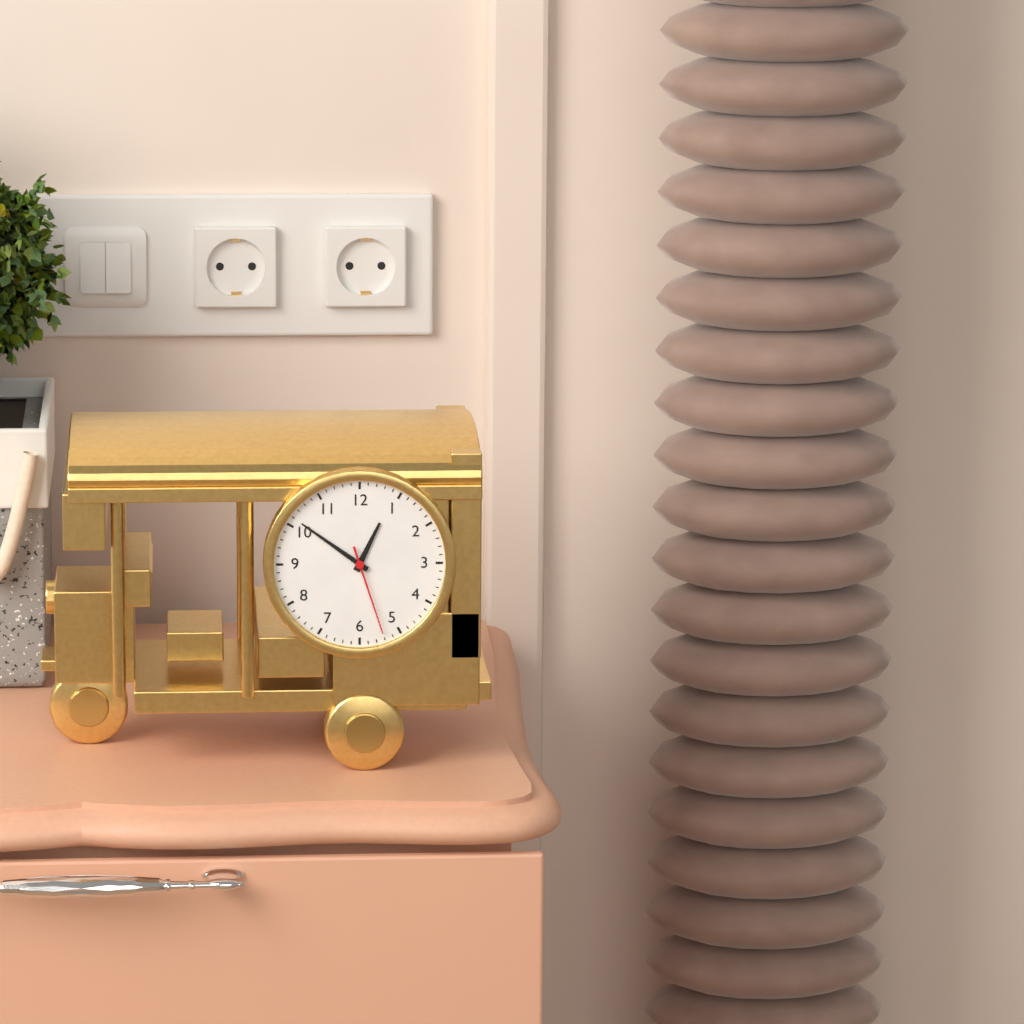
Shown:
12 h 51 min 27 s
